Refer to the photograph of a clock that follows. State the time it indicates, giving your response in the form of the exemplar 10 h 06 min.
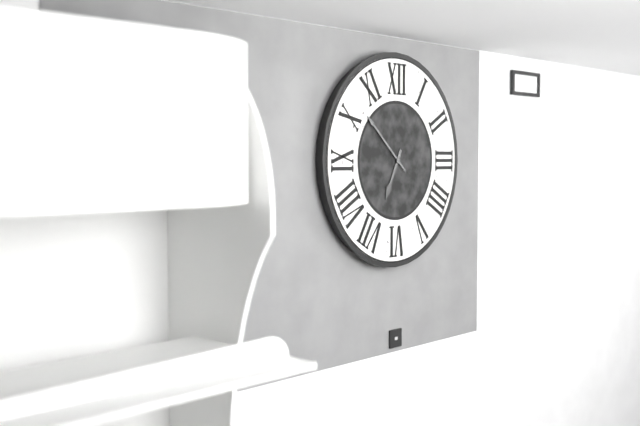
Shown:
6 h 52 min
